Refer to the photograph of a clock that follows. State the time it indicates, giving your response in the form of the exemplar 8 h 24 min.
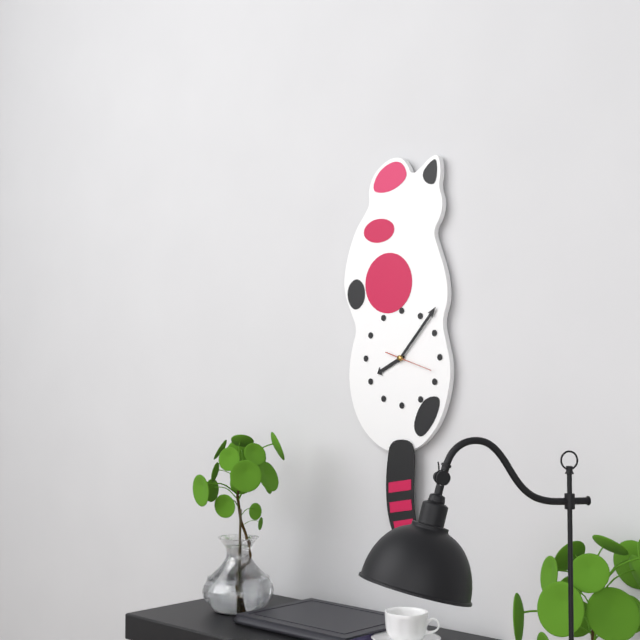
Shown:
8 h 07 min
